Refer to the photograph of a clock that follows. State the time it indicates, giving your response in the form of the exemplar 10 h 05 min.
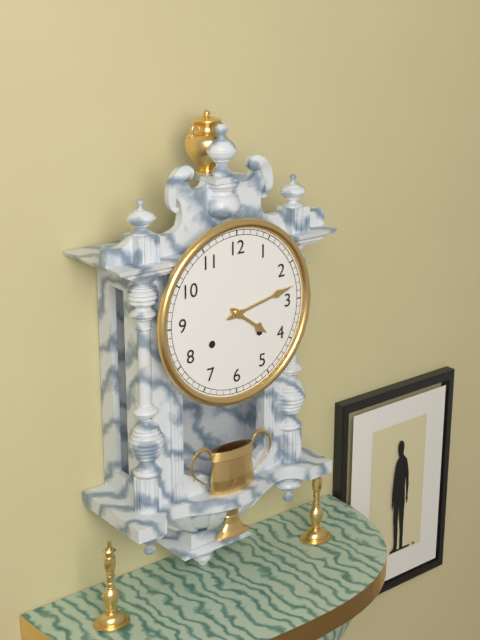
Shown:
4 h 13 min
